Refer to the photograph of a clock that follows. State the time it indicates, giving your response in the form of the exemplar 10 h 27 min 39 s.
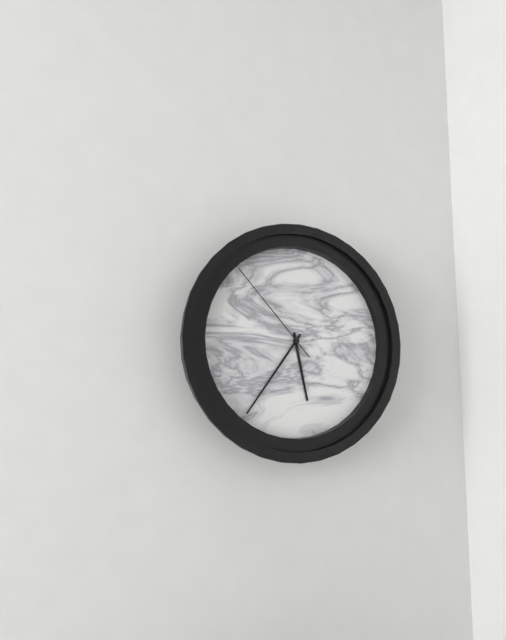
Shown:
5 h 36 min 53 s
